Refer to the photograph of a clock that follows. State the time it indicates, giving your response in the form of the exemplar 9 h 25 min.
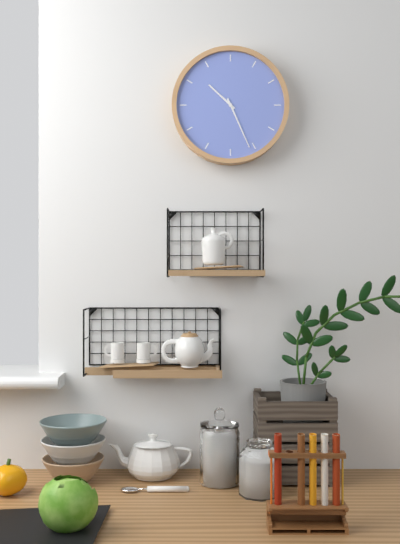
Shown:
10 h 26 min
